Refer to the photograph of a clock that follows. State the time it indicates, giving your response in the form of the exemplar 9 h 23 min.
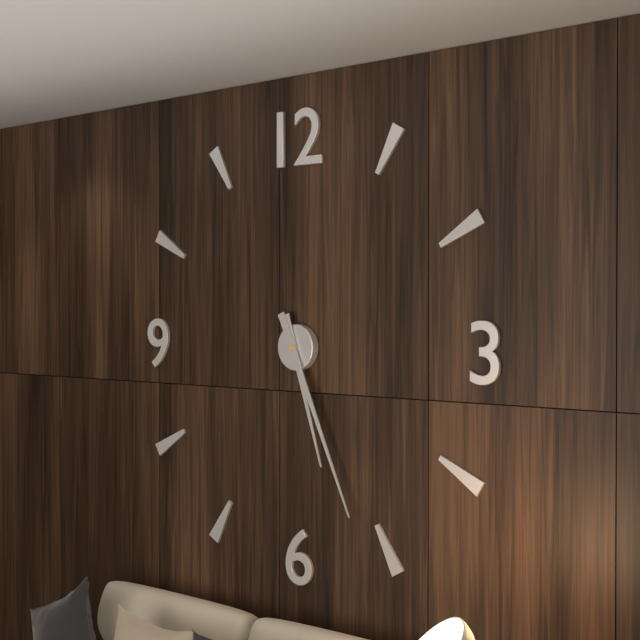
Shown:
5 h 26 min
